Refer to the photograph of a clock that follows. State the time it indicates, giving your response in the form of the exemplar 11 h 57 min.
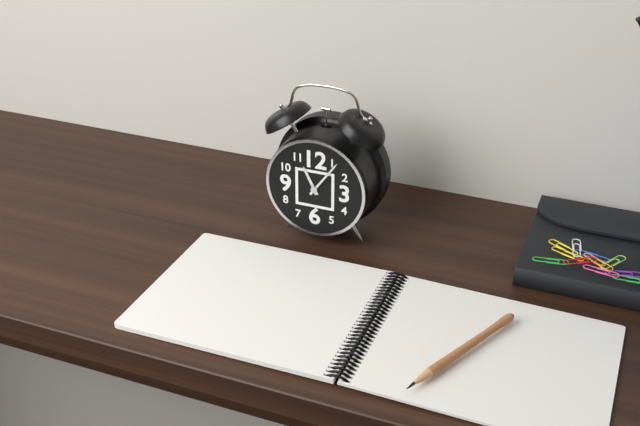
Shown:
11 h 06 min
